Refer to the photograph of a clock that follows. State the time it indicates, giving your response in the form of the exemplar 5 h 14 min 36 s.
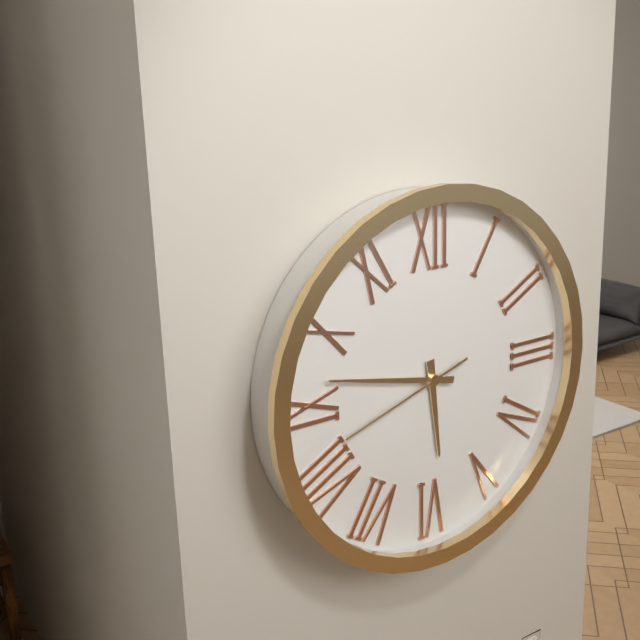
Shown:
5 h 47 min 42 s
